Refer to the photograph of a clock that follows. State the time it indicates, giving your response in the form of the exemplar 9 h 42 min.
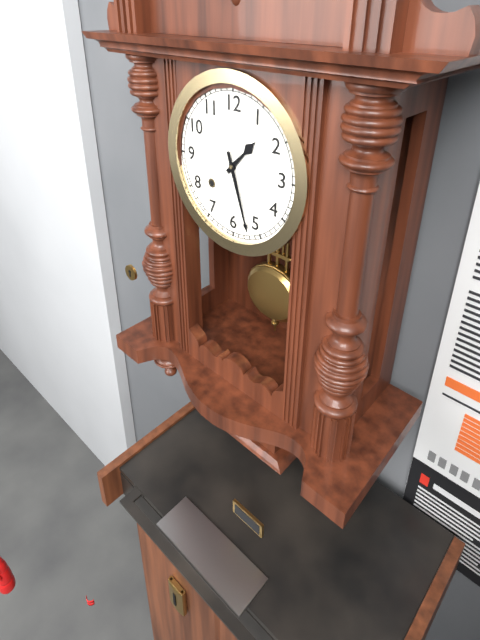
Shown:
1 h 27 min
